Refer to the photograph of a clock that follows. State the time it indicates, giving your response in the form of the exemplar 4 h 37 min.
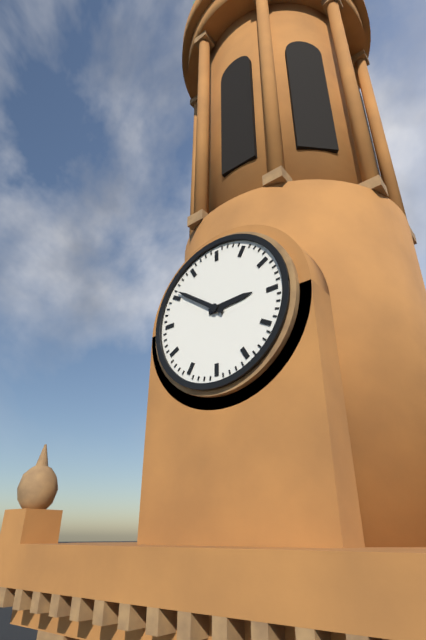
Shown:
2 h 51 min
